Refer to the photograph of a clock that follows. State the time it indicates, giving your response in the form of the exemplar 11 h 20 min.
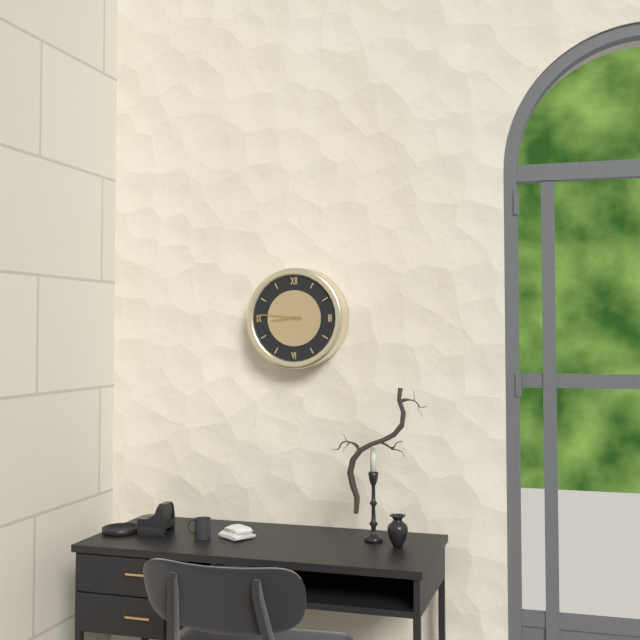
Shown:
8 h 46 min
